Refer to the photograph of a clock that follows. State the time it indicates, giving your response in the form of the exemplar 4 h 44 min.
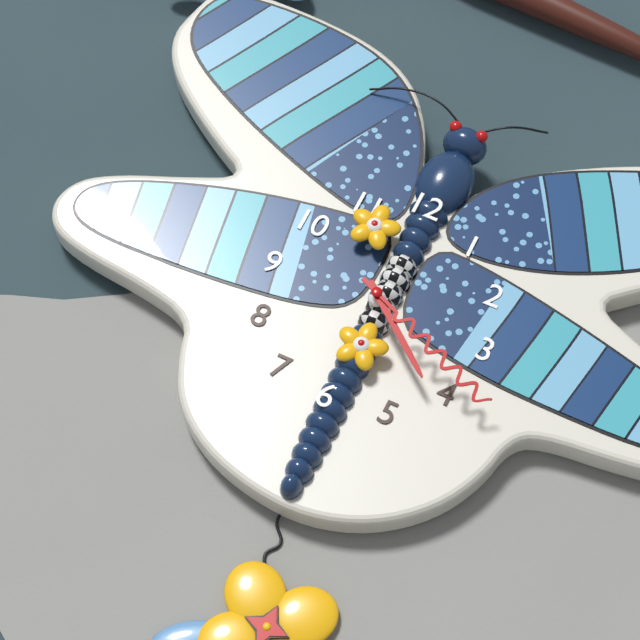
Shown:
4 h 19 min
